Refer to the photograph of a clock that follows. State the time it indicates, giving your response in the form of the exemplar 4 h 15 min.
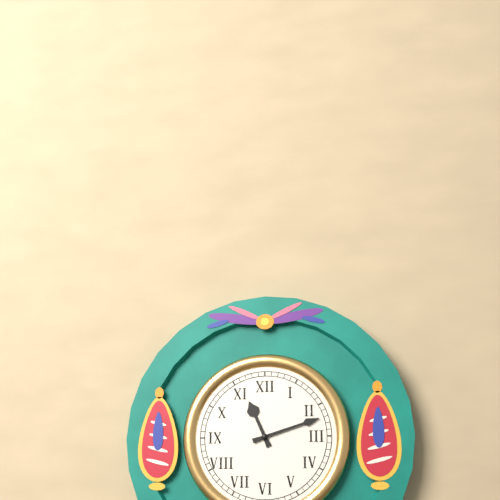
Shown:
11 h 12 min
